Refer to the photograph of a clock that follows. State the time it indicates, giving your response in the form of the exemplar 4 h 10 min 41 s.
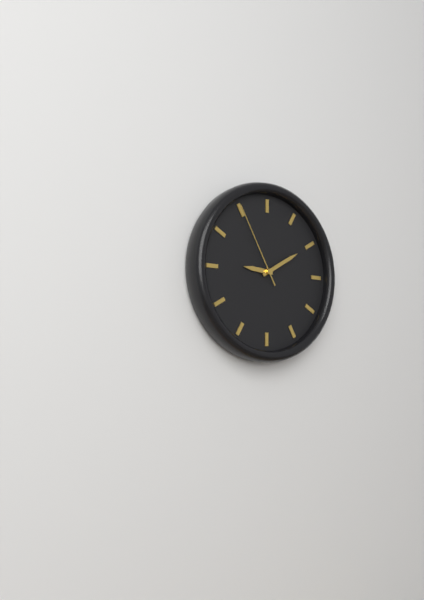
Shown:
9 h 10 min 55 s
